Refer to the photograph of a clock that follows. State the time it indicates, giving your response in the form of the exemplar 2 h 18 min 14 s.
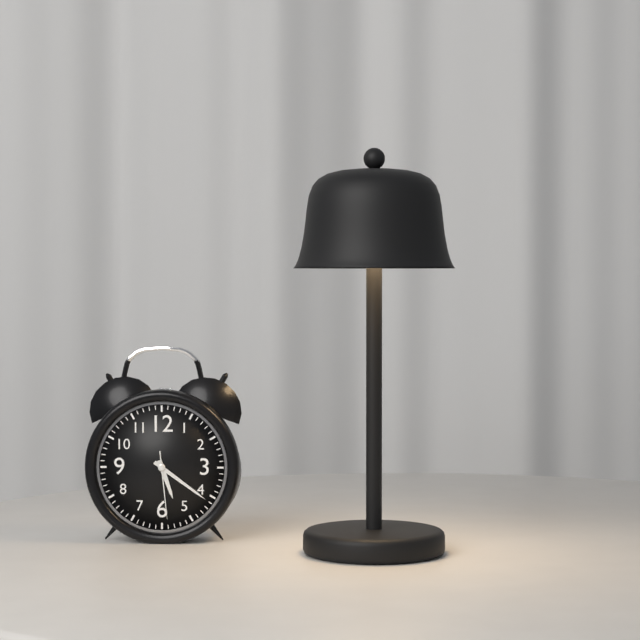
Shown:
5 h 21 min 29 s
